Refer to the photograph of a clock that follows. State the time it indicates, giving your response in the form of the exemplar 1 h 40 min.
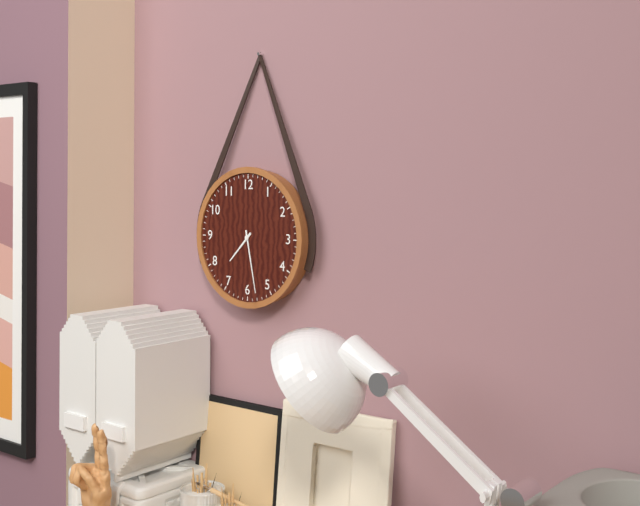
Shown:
7 h 28 min
